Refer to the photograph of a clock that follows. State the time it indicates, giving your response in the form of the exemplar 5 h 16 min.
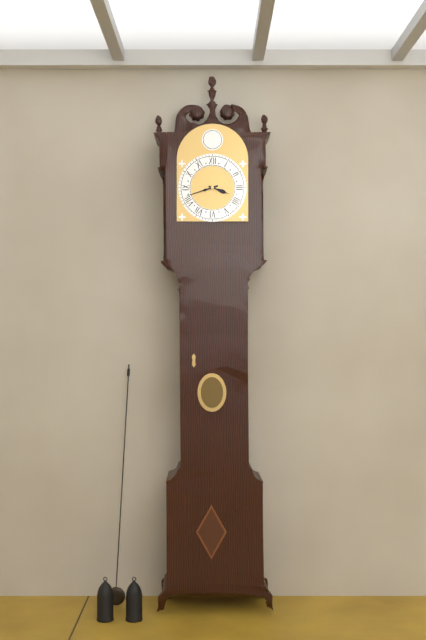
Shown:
3 h 42 min
